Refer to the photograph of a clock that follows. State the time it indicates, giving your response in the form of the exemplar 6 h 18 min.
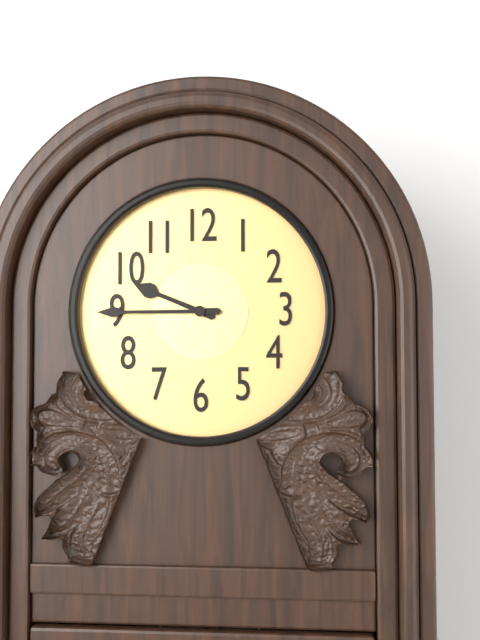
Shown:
9 h 45 min
